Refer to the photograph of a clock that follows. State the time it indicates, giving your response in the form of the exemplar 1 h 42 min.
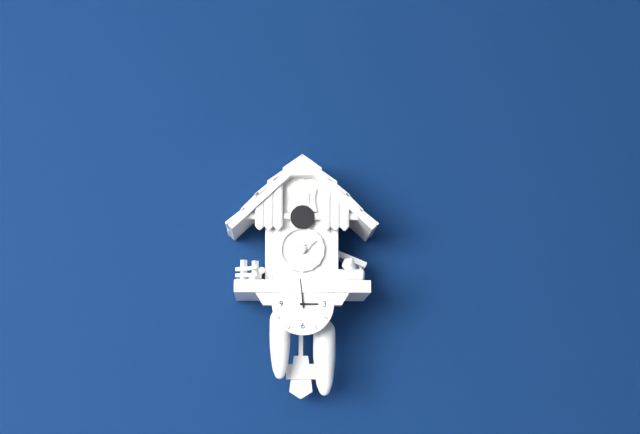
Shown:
2 h 59 min
